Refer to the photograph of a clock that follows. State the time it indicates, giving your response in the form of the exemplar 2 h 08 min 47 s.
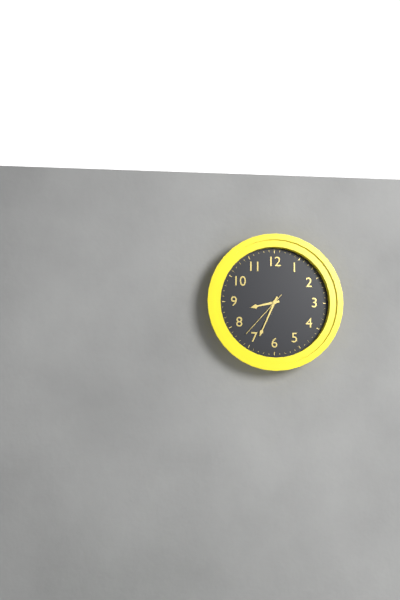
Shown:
8 h 34 min 37 s
